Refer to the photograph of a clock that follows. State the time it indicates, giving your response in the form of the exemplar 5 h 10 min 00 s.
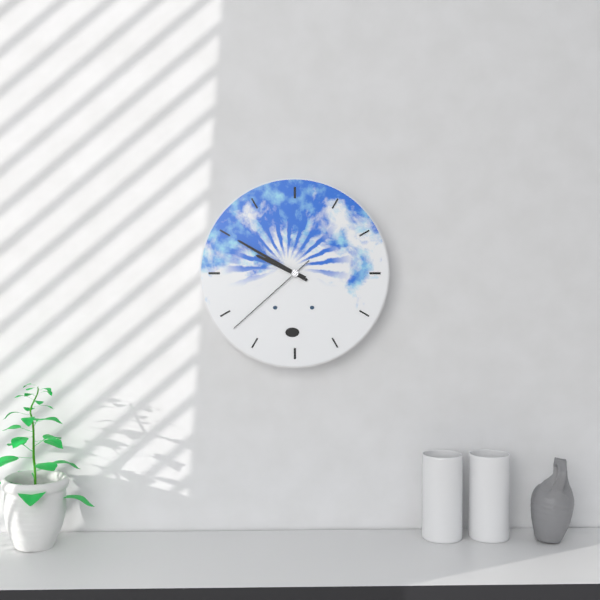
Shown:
9 h 50 min 38 s
